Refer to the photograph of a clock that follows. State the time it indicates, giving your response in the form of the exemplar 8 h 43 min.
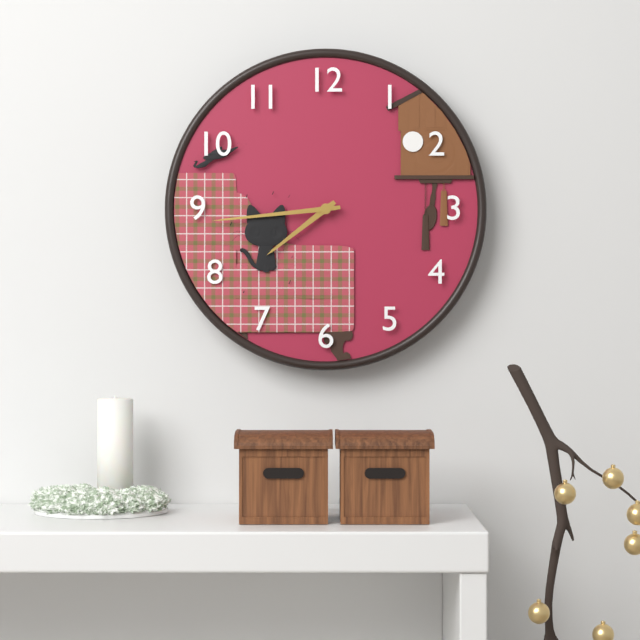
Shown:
7 h 44 min
